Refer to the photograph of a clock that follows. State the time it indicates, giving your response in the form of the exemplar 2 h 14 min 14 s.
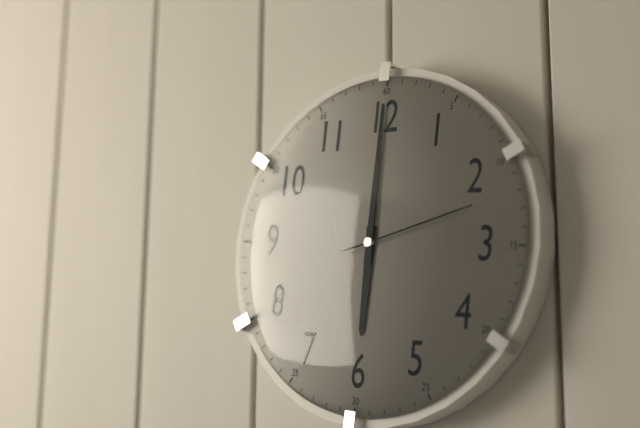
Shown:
6 h 00 min 12 s
